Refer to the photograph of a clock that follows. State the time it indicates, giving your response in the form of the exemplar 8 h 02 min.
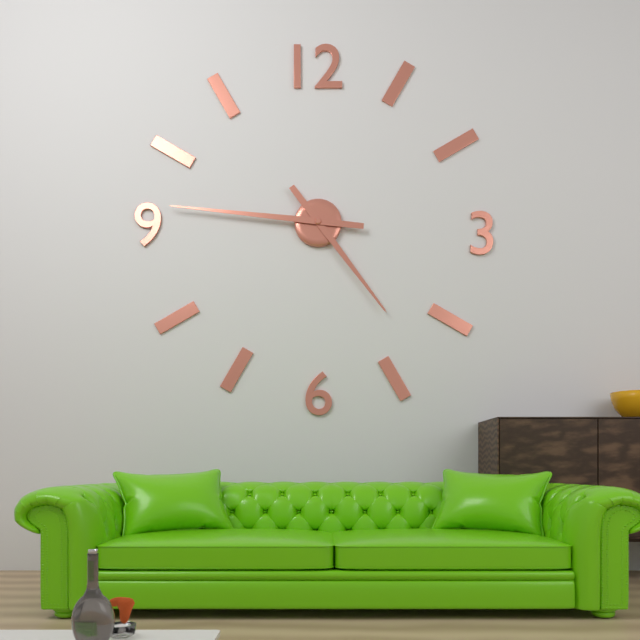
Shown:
4 h 46 min
